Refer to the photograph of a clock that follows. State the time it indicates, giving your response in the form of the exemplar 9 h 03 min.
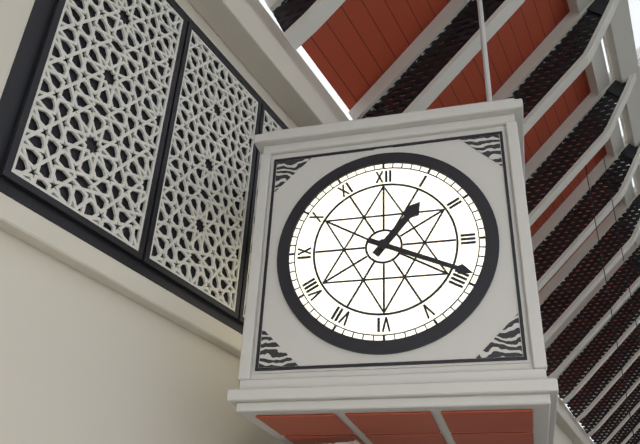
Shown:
1 h 19 min
